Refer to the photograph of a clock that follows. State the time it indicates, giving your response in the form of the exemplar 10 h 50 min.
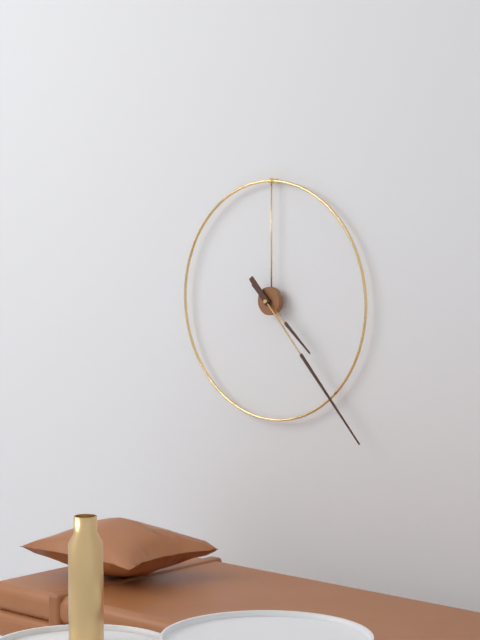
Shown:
4 h 23 min
